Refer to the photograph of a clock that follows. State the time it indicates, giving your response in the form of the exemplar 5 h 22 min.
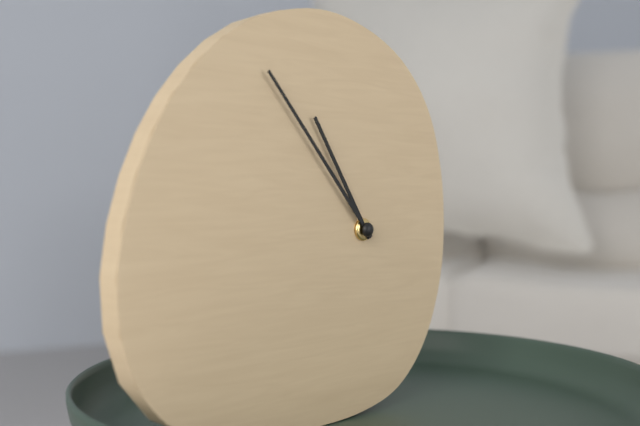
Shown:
10 h 53 min
